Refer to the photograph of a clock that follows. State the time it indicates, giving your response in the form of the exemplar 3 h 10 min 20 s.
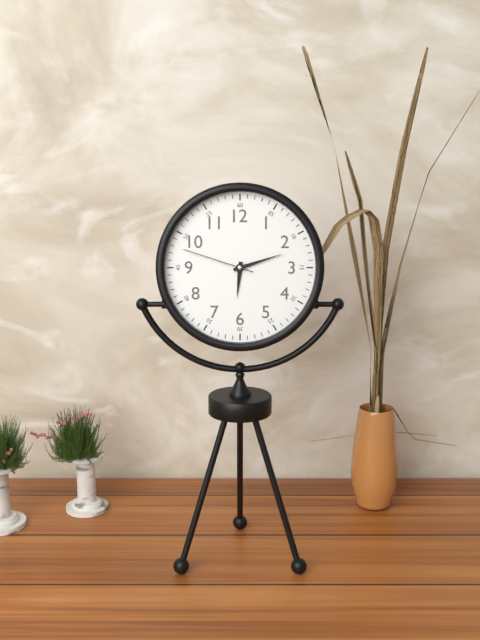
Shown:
6 h 12 min 48 s
